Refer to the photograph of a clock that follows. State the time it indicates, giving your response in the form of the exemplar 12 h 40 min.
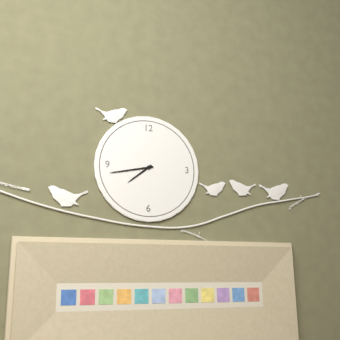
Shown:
7 h 43 min
